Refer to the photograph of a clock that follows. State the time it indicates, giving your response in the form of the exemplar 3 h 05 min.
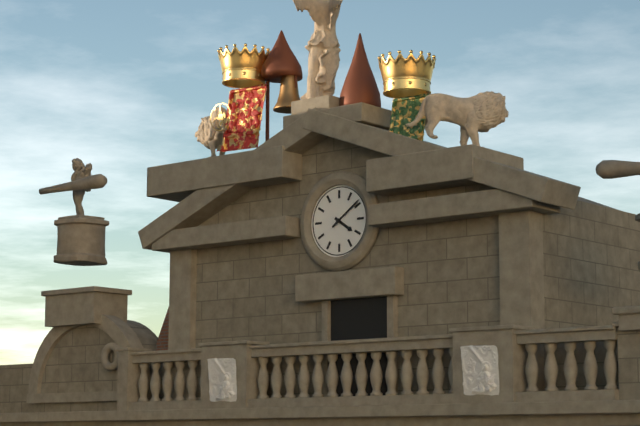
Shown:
4 h 09 min
